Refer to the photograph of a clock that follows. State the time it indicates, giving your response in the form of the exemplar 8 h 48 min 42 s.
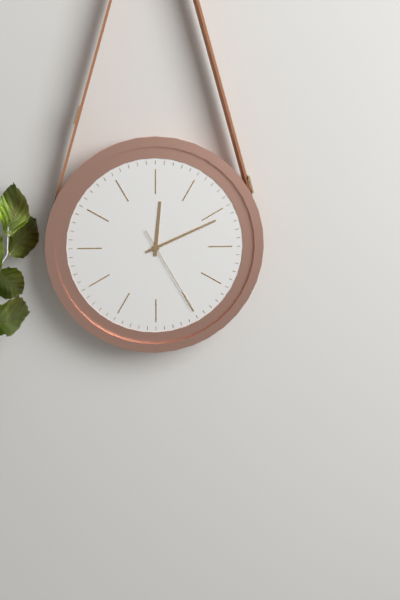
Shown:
12 h 11 min 25 s
